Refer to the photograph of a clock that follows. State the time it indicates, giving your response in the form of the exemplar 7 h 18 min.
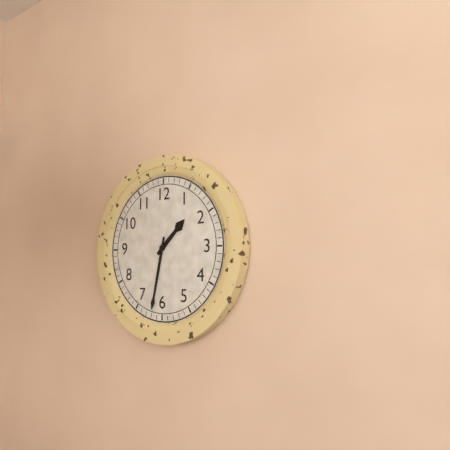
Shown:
1 h 32 min
